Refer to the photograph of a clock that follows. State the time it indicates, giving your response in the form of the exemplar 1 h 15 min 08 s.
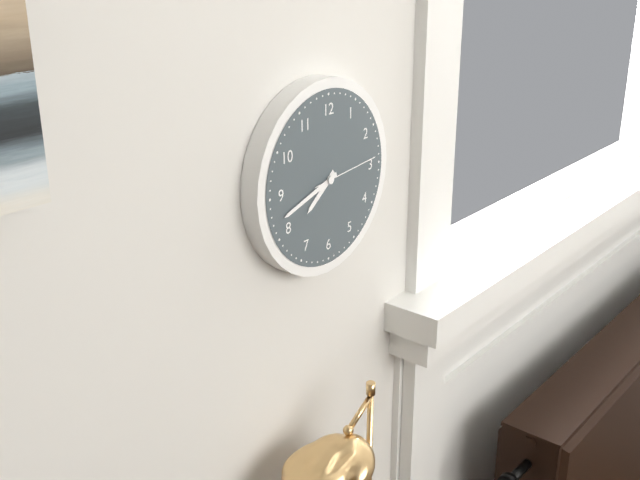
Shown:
7 h 42 min 14 s
